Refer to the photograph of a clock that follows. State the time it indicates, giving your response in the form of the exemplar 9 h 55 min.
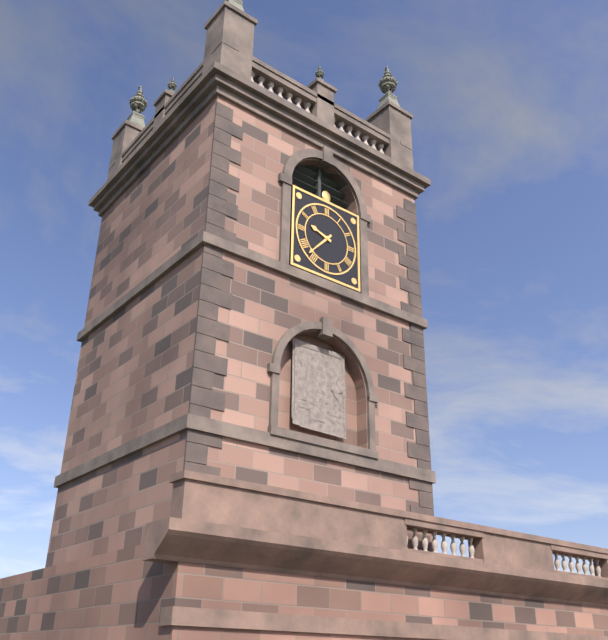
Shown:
9 h 37 min
